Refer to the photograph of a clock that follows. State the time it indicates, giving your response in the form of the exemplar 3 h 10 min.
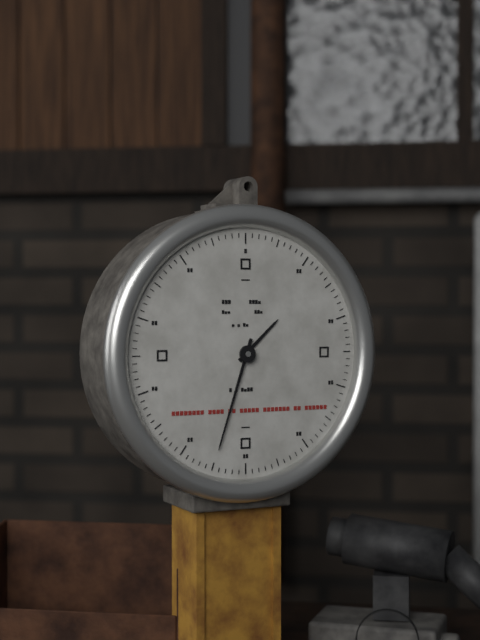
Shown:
1 h 33 min
